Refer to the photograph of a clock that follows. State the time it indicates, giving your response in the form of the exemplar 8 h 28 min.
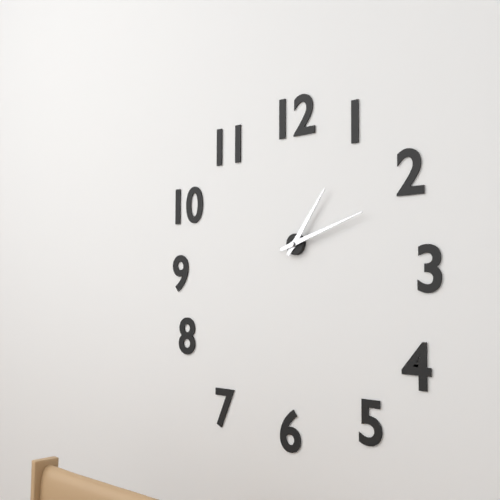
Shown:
1 h 12 min
